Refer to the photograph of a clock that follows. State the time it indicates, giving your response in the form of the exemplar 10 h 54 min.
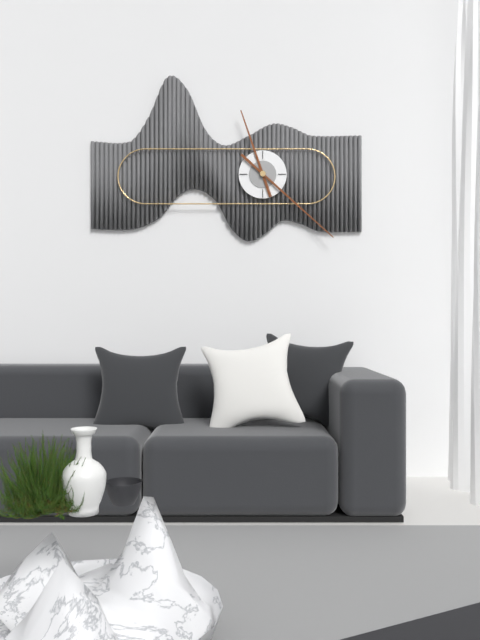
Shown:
11 h 22 min
